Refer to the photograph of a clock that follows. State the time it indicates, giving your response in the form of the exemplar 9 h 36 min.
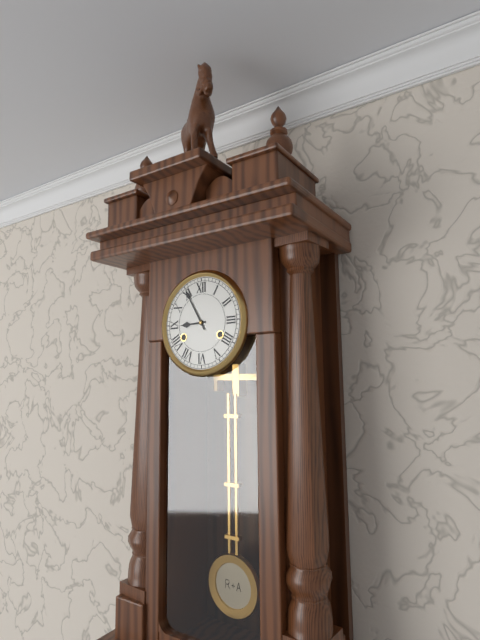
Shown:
8 h 55 min
